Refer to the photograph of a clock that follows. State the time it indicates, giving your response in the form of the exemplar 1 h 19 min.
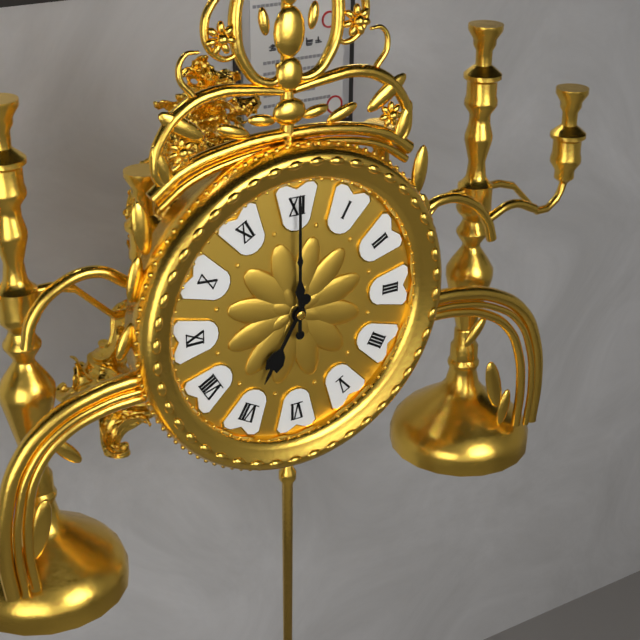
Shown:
7 h 00 min
